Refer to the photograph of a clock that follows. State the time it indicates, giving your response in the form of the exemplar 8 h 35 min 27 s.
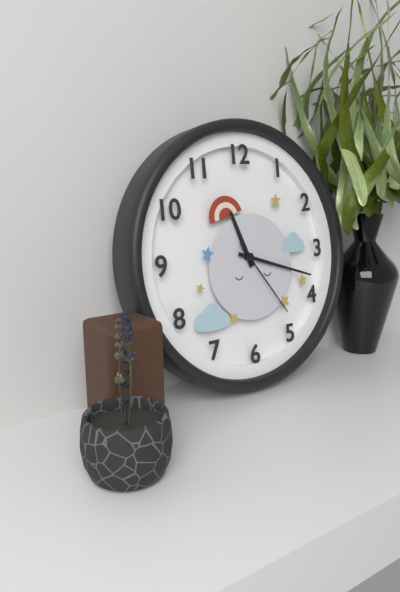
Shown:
11 h 18 min 24 s
